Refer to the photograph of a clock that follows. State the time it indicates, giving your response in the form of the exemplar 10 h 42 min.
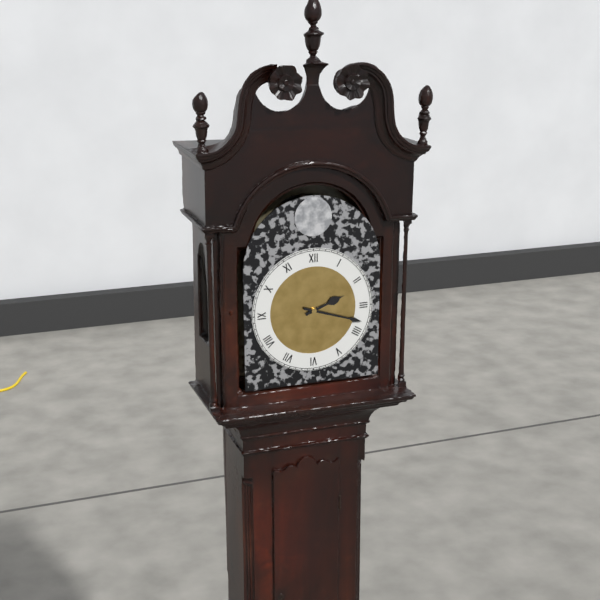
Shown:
2 h 18 min
